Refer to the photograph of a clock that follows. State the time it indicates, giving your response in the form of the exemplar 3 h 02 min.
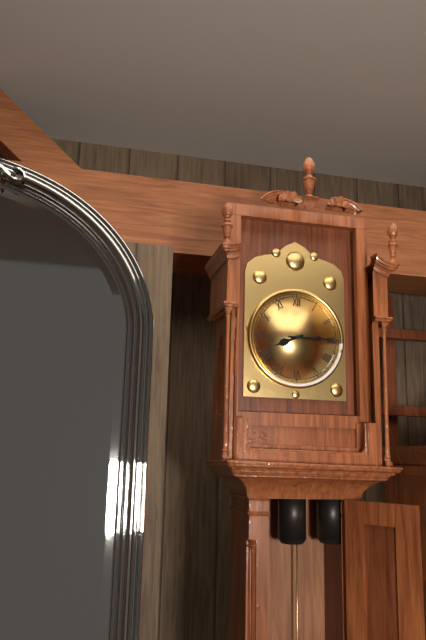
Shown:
8 h 15 min
